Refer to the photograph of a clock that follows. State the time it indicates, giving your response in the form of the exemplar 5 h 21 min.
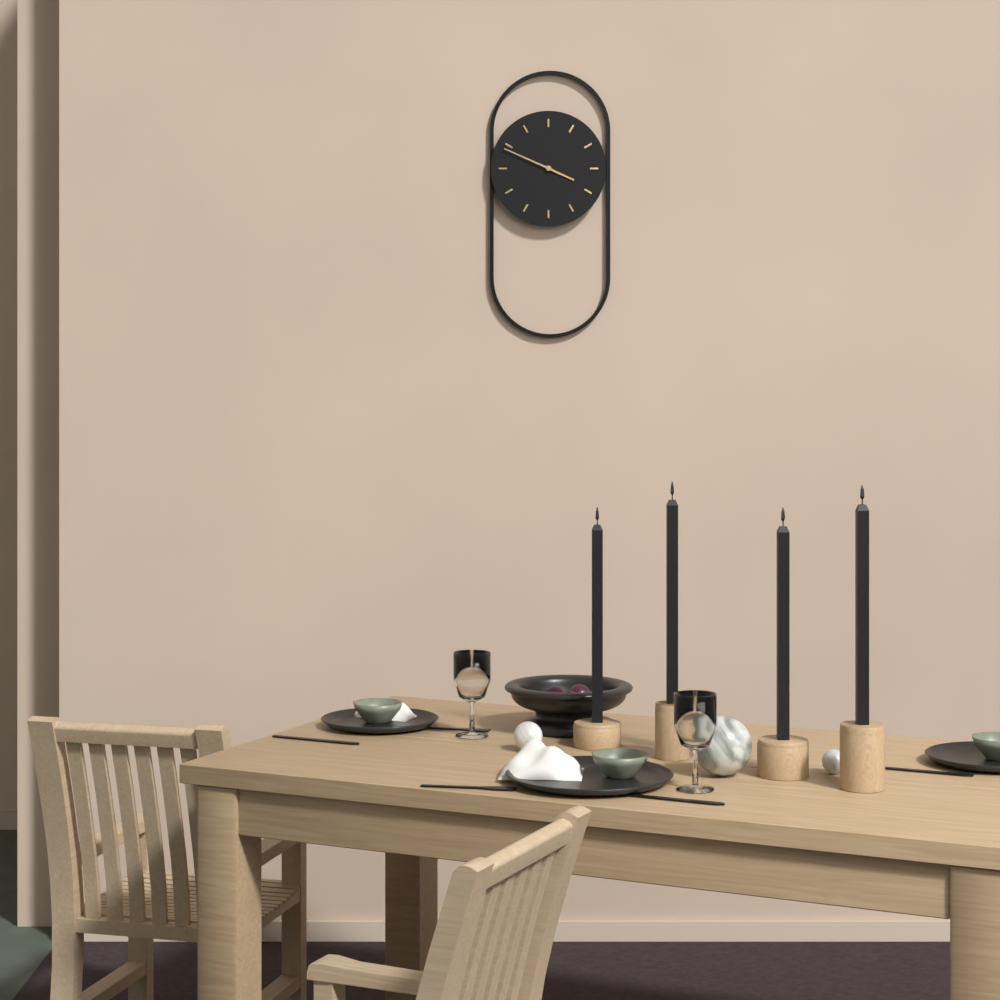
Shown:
3 h 49 min
